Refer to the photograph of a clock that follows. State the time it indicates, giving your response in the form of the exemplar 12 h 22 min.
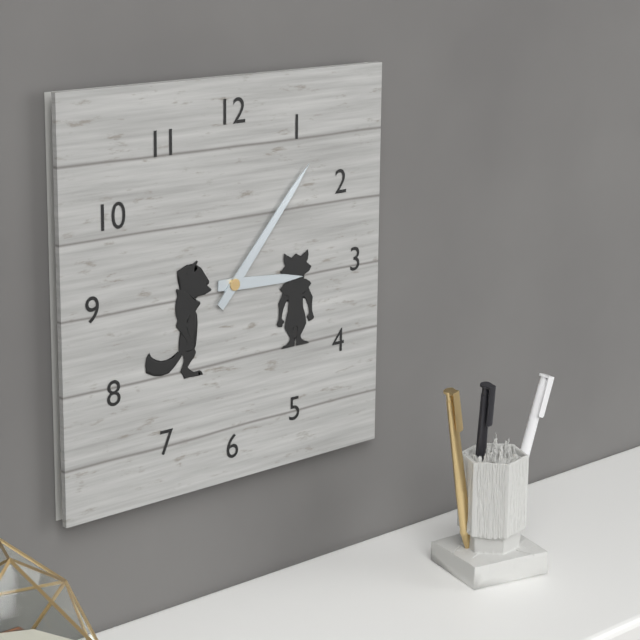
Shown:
3 h 07 min
